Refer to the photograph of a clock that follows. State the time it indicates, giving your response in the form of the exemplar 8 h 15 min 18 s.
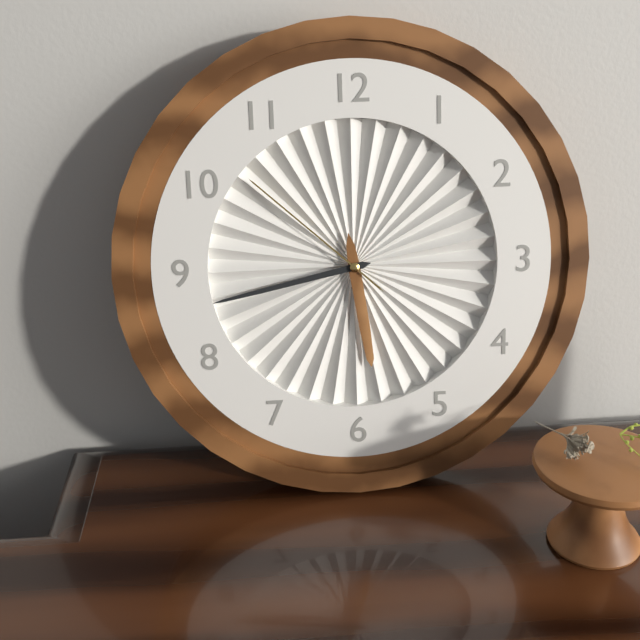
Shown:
5 h 43 min 52 s
